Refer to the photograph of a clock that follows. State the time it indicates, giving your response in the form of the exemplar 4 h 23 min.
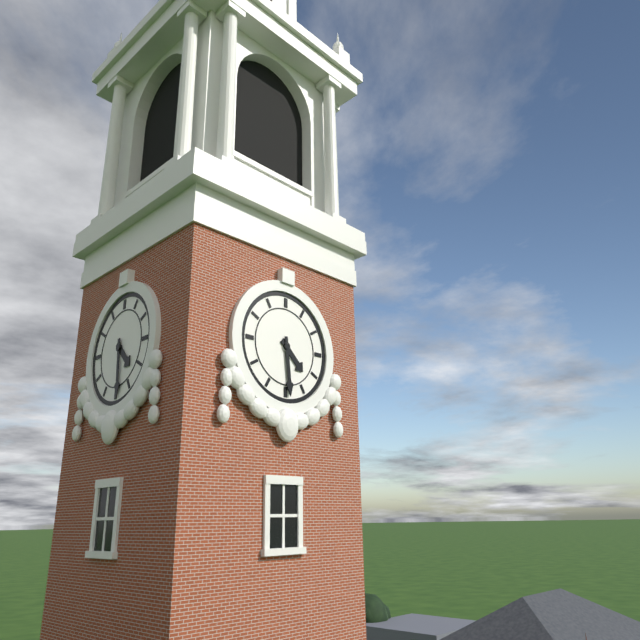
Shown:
4 h 29 min
